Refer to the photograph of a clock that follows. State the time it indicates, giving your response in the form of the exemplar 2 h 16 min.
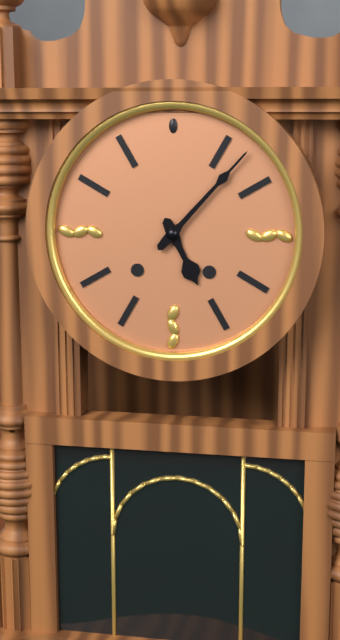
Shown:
5 h 07 min
